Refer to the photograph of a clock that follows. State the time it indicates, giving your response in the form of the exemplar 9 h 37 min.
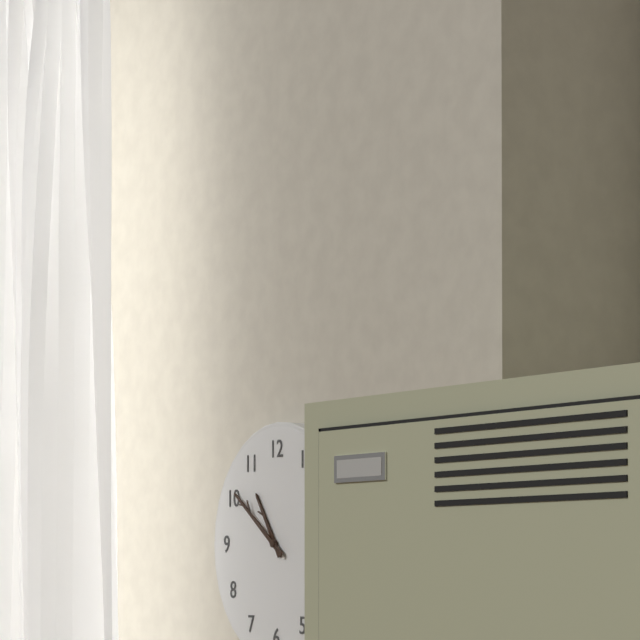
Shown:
10 h 51 min
